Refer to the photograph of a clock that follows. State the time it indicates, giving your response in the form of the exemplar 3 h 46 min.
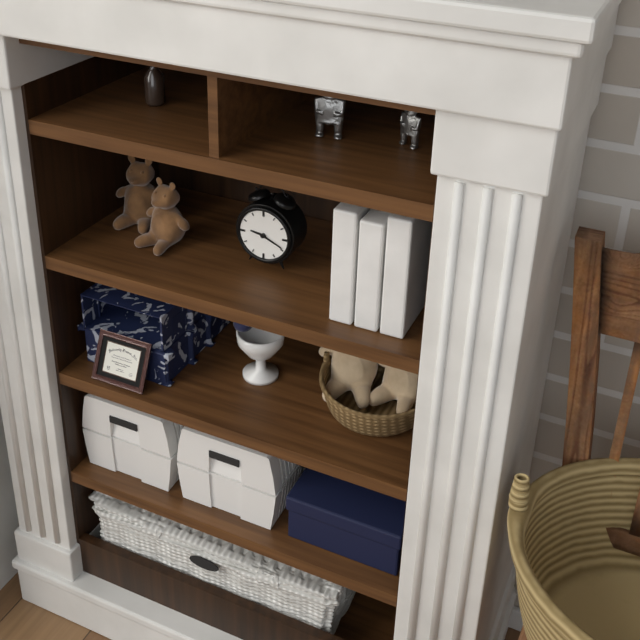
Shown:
9 h 19 min
